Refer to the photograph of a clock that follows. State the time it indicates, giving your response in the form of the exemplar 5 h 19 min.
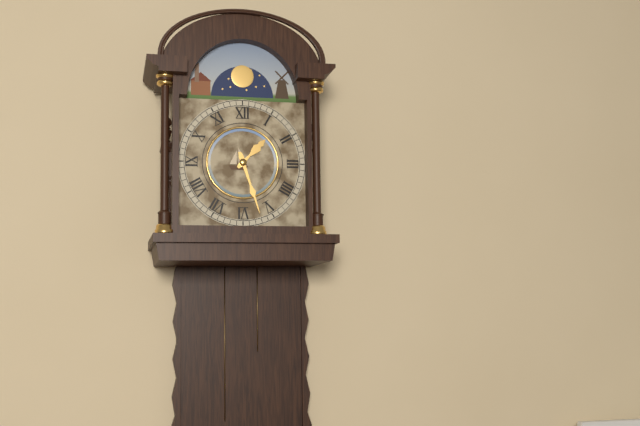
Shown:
1 h 27 min
